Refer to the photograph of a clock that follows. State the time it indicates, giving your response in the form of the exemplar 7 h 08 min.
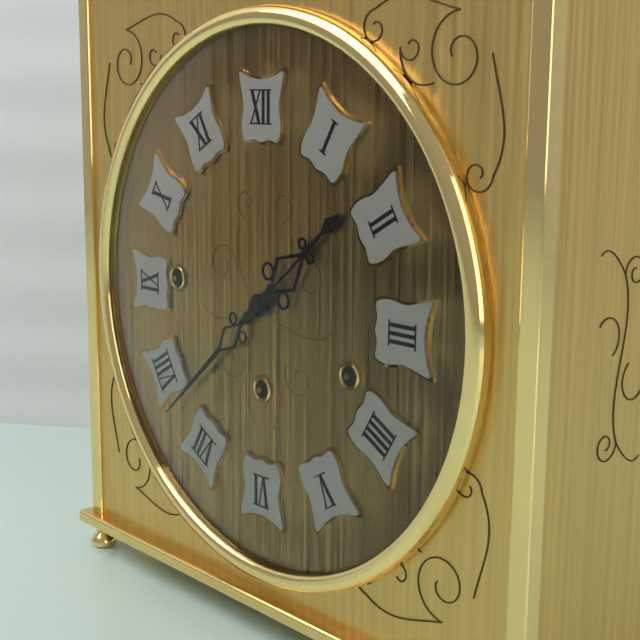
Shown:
1 h 38 min
